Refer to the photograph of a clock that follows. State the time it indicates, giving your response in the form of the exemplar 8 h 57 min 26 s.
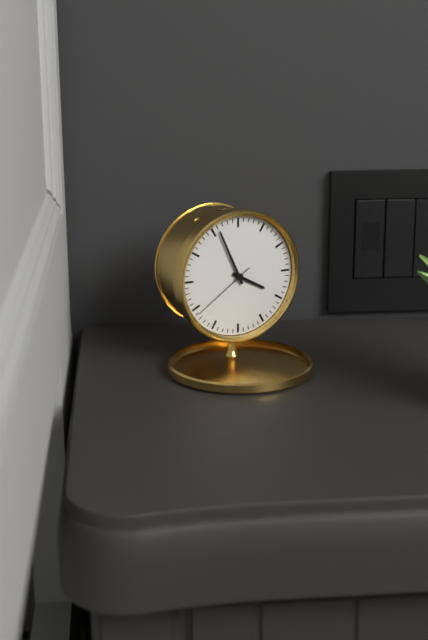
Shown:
3 h 56 min 39 s
